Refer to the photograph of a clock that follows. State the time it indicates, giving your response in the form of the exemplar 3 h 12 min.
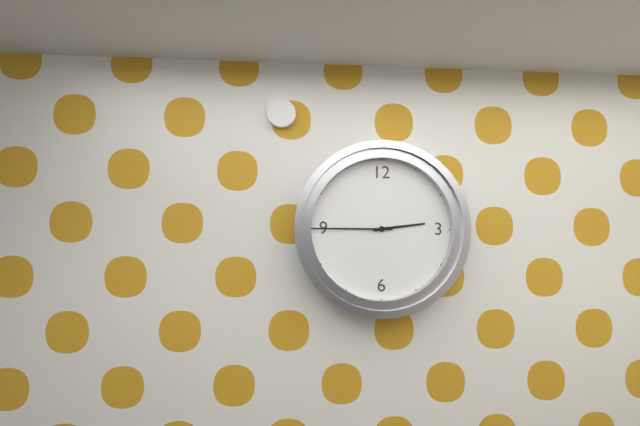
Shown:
2 h 45 min
